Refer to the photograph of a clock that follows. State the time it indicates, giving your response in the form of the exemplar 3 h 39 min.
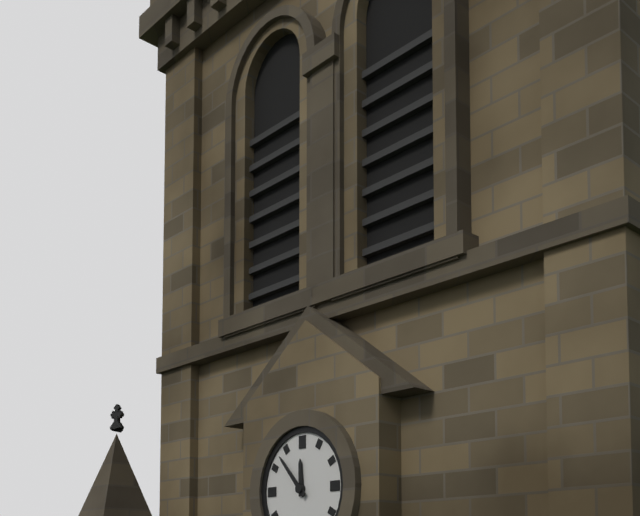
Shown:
11 h 53 min
